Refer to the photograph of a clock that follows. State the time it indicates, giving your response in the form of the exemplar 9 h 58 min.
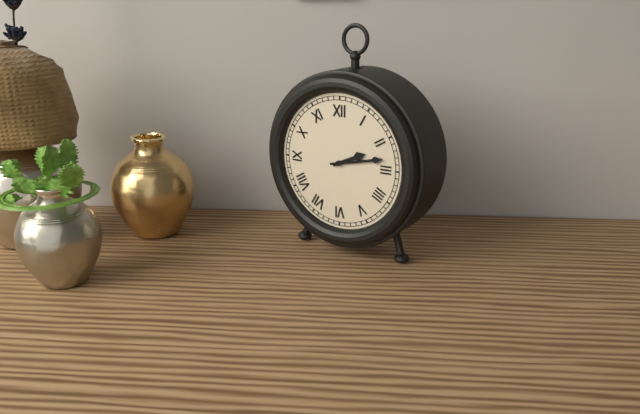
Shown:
2 h 13 min
